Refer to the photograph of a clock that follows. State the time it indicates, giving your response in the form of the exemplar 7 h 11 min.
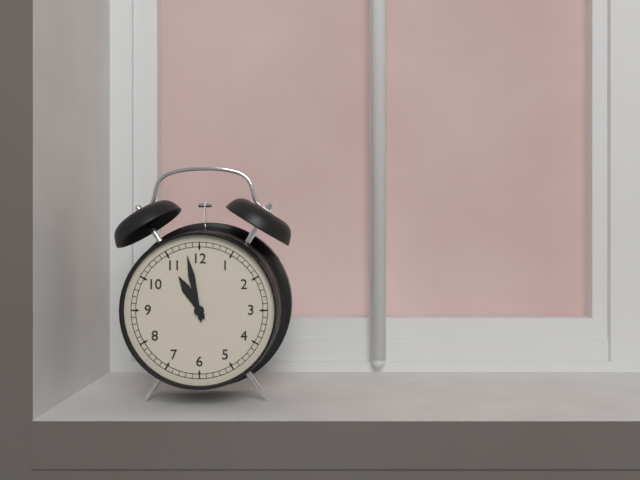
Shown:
10 h 58 min
